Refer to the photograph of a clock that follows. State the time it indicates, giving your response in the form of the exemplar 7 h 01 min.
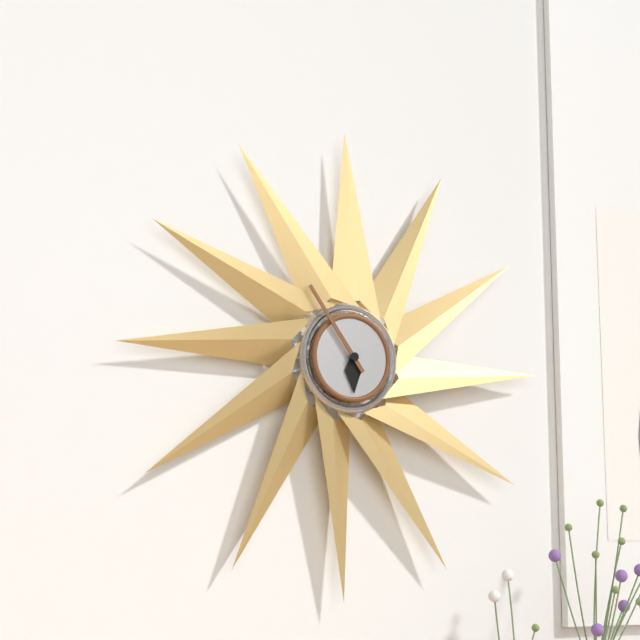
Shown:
5 h 54 min
